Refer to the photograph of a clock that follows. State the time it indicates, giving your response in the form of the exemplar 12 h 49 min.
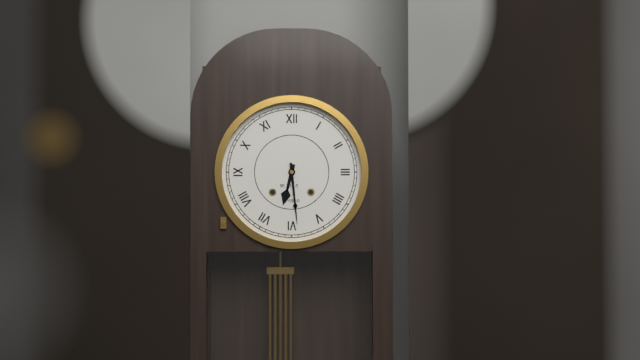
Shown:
6 h 29 min
